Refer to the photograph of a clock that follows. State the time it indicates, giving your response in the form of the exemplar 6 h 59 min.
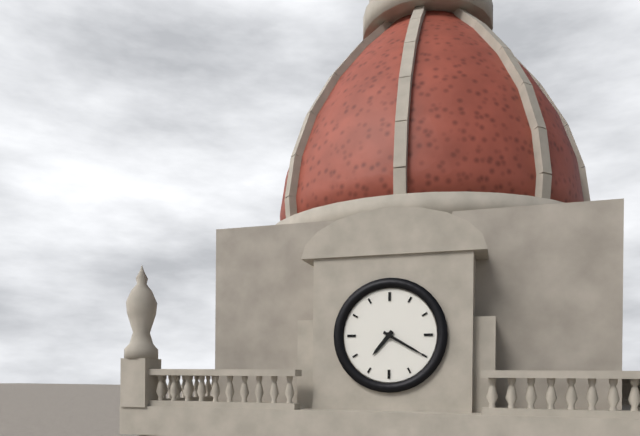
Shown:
7 h 20 min
